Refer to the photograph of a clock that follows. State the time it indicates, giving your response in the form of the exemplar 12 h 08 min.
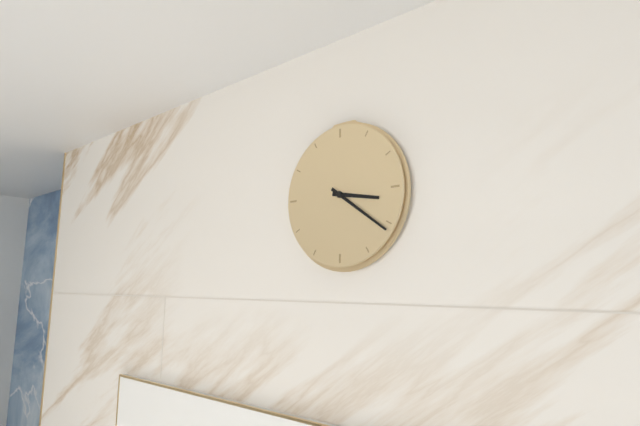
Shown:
3 h 21 min
